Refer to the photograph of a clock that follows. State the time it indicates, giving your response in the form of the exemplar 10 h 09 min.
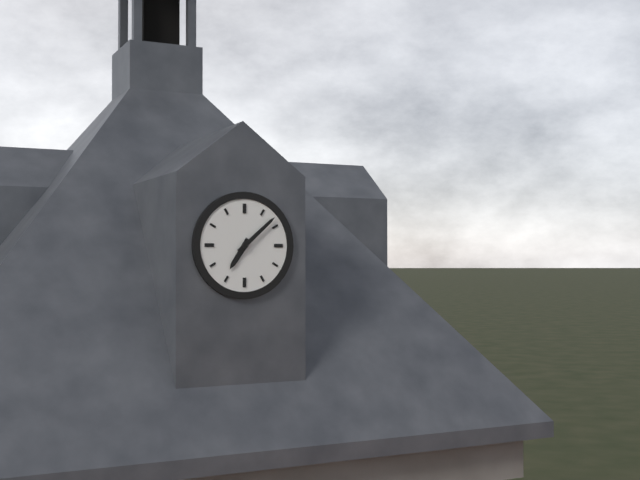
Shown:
7 h 08 min
